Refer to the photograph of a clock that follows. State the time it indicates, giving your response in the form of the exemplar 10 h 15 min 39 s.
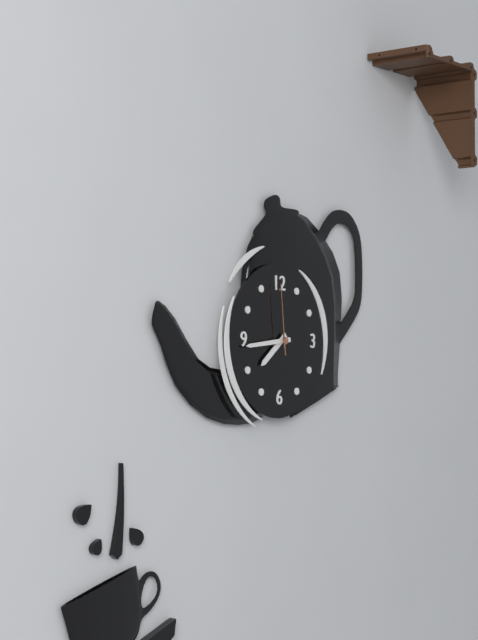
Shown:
7 h 44 min 59 s
